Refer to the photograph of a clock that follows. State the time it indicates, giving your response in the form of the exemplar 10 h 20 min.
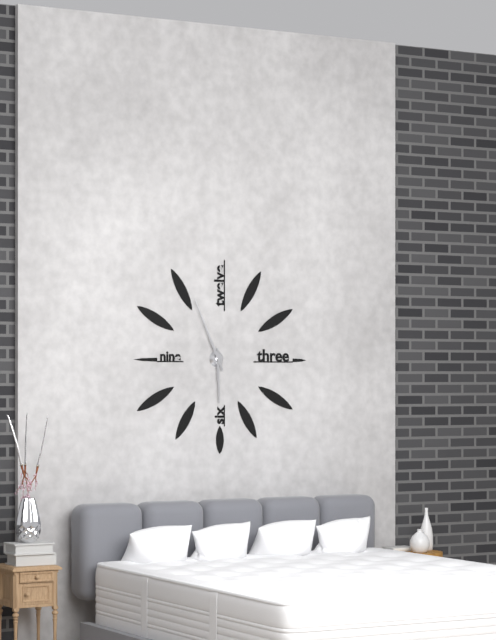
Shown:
5 h 56 min
